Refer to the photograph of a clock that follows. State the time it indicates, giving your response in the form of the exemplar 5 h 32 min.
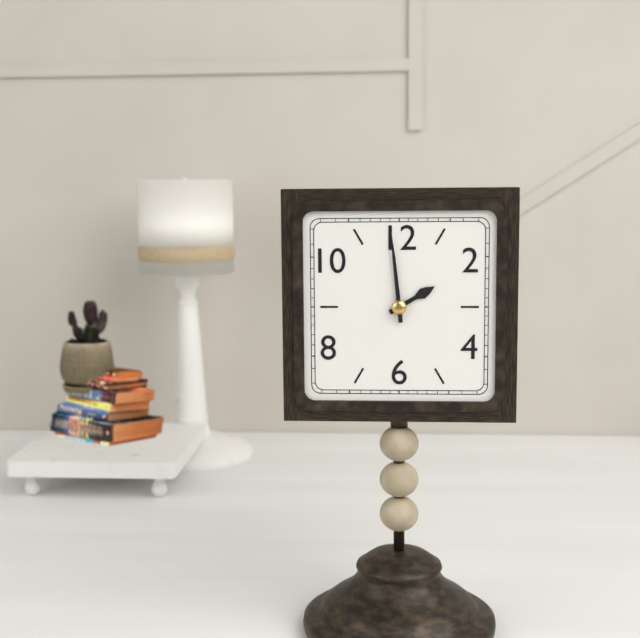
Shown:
1 h 59 min
